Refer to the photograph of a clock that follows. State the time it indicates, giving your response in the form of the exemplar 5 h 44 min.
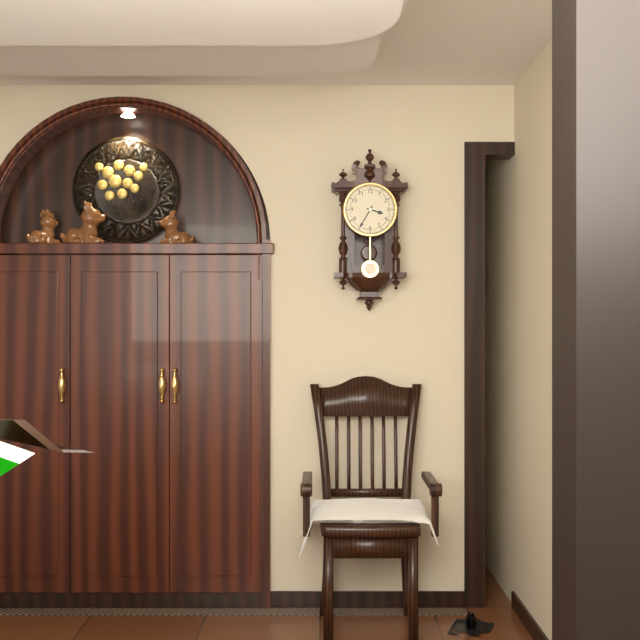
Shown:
3 h 35 min
